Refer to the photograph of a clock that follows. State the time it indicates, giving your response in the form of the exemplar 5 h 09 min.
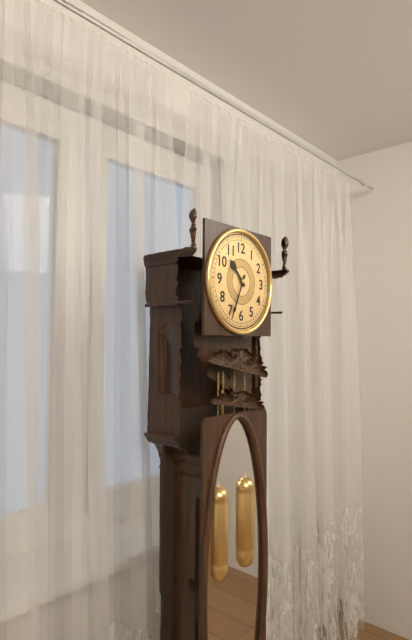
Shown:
10 h 34 min
